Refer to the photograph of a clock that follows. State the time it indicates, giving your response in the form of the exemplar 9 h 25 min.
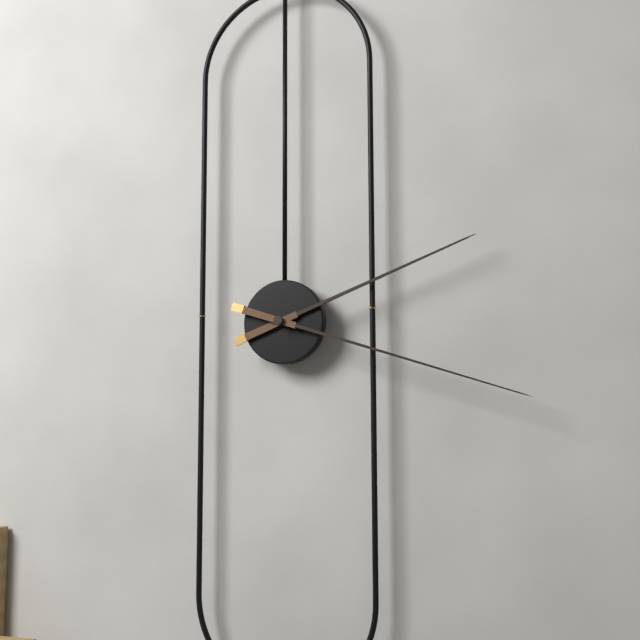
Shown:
2 h 18 min
